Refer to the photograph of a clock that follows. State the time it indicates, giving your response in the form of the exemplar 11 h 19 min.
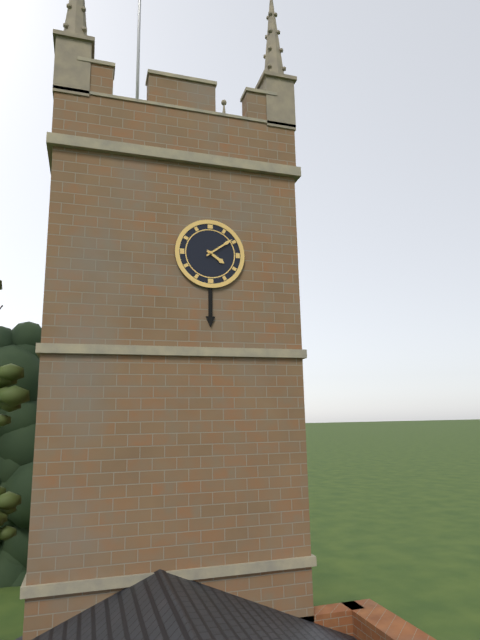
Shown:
4 h 09 min
